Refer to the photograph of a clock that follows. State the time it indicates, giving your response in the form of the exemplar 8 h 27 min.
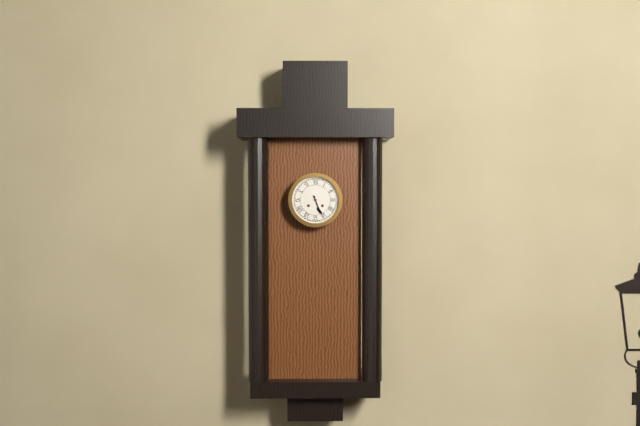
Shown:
5 h 26 min
